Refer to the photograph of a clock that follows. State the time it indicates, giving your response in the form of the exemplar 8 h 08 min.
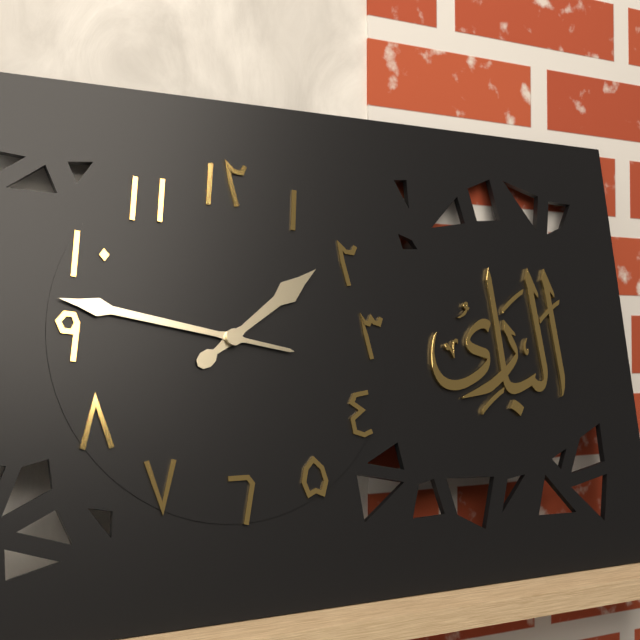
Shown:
1 h 47 min
